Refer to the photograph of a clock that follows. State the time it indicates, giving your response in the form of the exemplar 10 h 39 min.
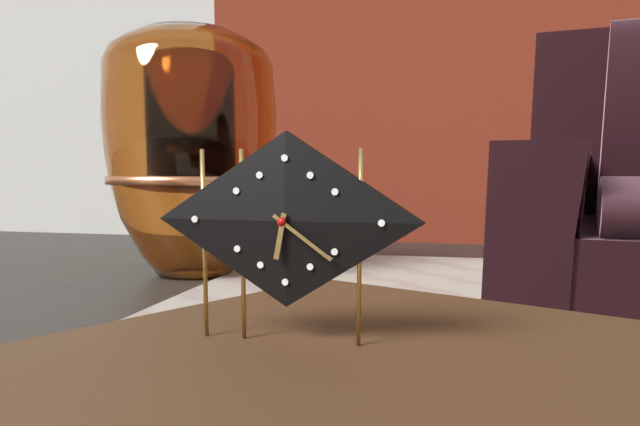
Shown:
6 h 21 min
